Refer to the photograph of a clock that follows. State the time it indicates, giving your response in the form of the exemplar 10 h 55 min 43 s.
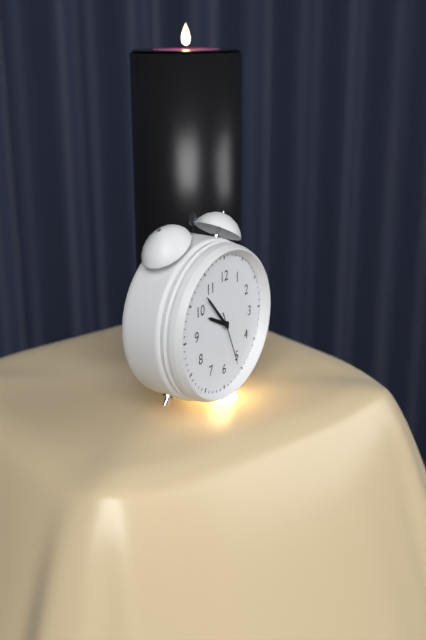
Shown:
9 h 53 min 26 s
